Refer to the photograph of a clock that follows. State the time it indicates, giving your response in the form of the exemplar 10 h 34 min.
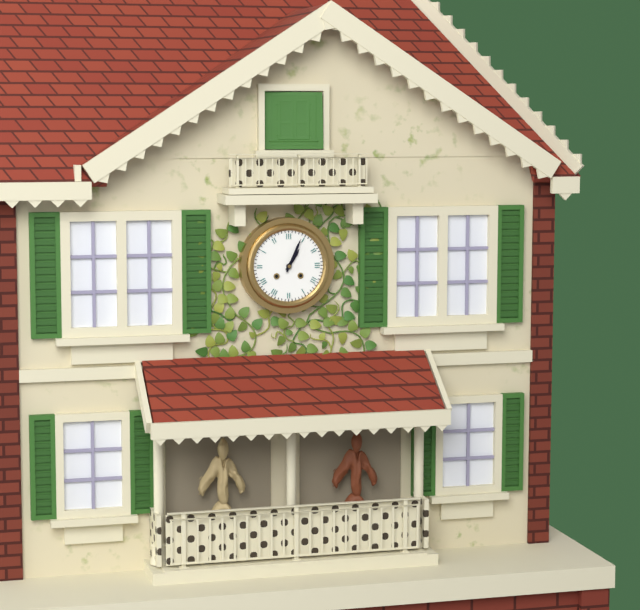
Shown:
1 h 04 min
